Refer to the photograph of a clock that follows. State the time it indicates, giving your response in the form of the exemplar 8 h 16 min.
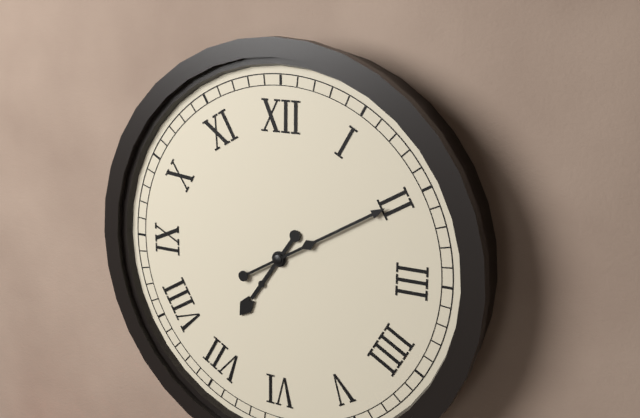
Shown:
7 h 10 min
